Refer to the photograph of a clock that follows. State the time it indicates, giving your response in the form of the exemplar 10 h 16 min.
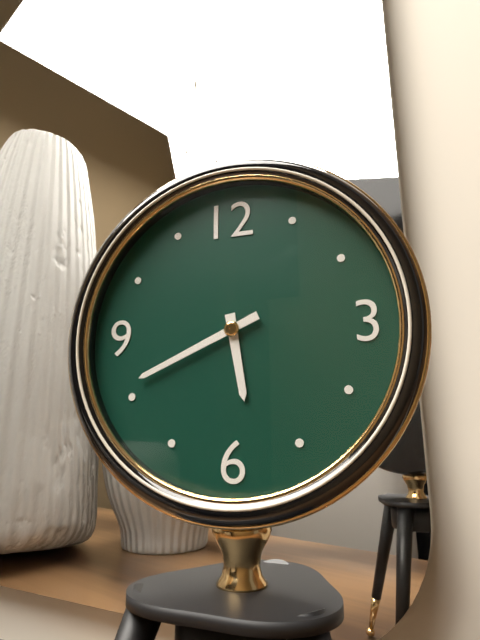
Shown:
5 h 41 min
